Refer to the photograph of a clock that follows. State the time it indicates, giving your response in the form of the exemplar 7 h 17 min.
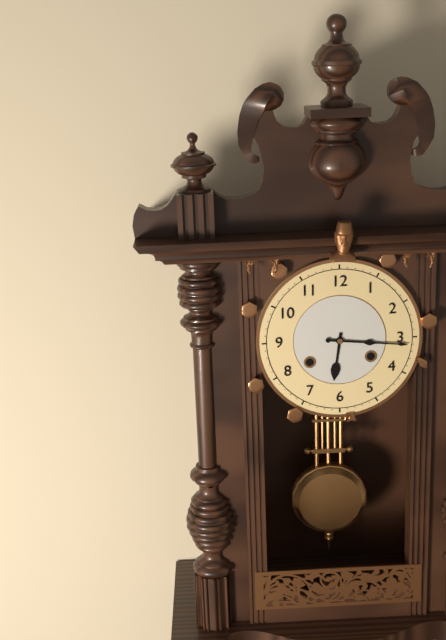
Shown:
6 h 16 min
